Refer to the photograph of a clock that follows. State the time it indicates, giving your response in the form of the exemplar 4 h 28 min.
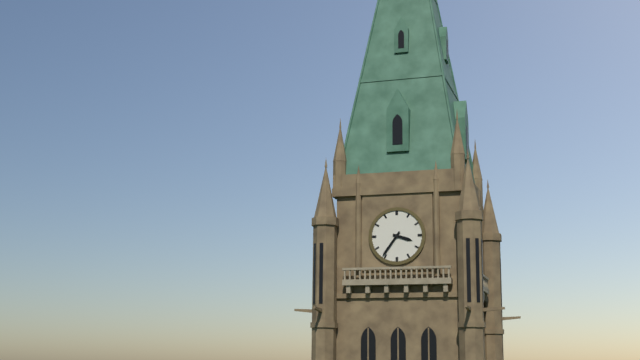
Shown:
3 h 36 min
